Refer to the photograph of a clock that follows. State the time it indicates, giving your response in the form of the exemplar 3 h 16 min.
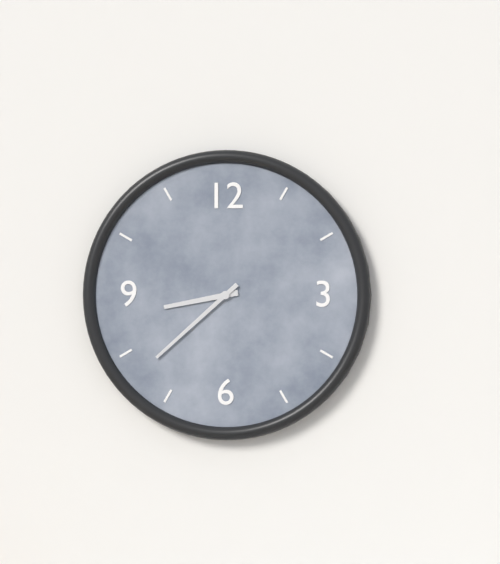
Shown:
8 h 38 min
